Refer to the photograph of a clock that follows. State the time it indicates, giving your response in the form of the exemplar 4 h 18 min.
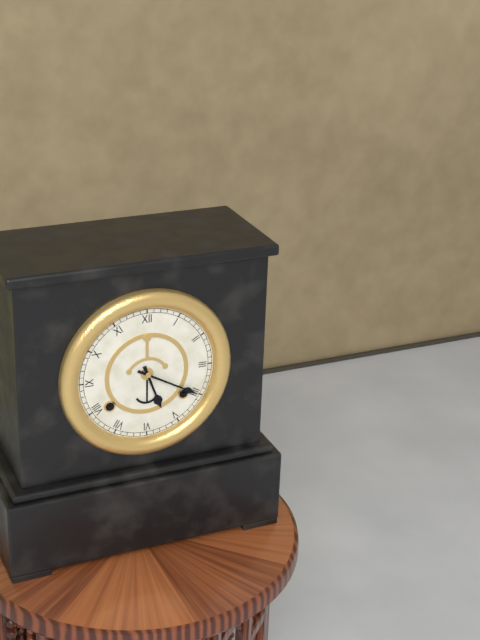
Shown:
5 h 20 min
